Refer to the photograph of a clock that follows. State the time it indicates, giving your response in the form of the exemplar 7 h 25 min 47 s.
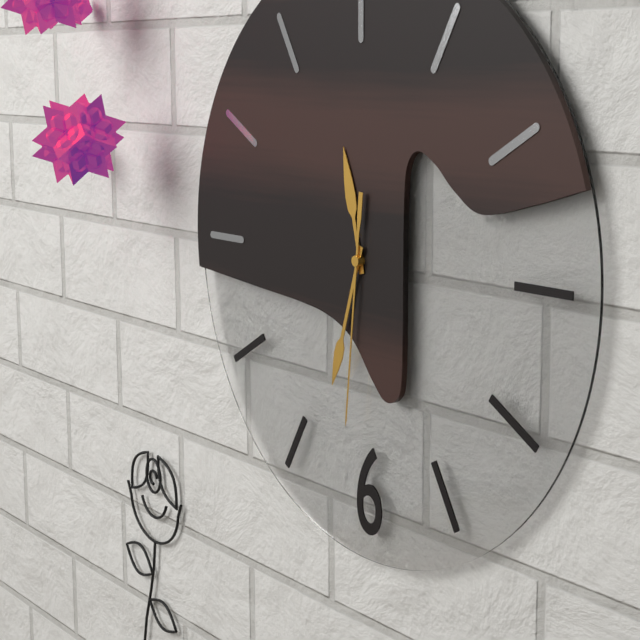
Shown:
11 h 33 min 31 s
